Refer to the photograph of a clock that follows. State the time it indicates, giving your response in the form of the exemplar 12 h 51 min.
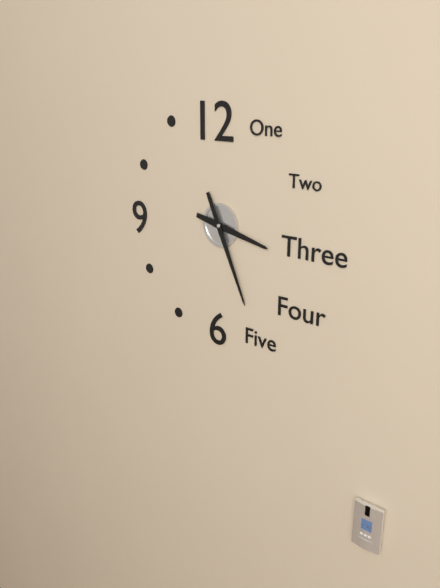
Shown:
3 h 26 min
